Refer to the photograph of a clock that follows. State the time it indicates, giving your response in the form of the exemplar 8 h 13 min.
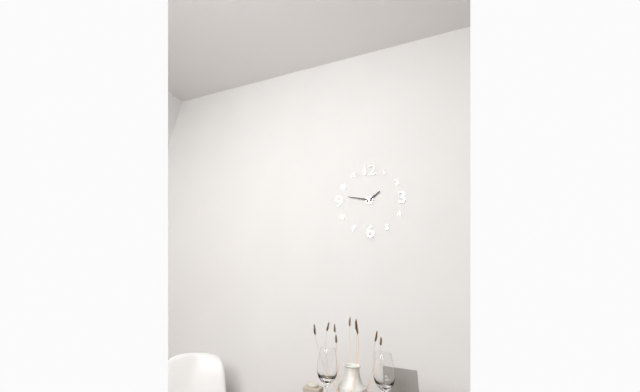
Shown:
1 h 47 min
